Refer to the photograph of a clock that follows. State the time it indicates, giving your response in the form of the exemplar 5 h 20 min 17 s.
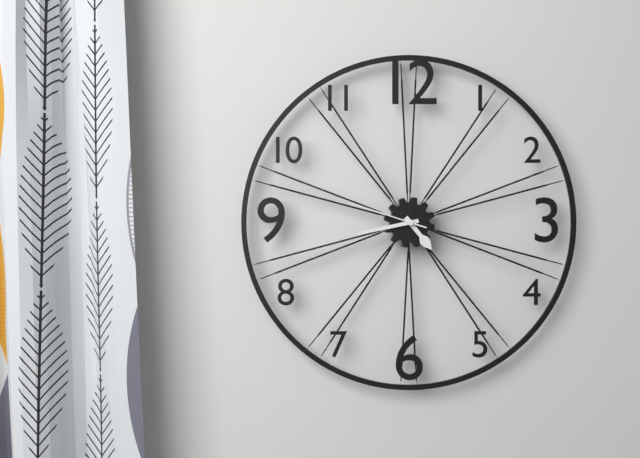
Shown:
4 h 43 min 48 s
